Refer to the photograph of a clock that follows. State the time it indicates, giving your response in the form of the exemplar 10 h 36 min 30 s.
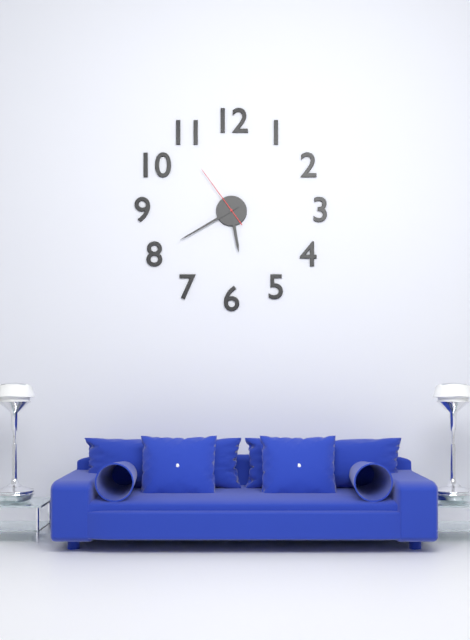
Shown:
5 h 40 min 54 s
